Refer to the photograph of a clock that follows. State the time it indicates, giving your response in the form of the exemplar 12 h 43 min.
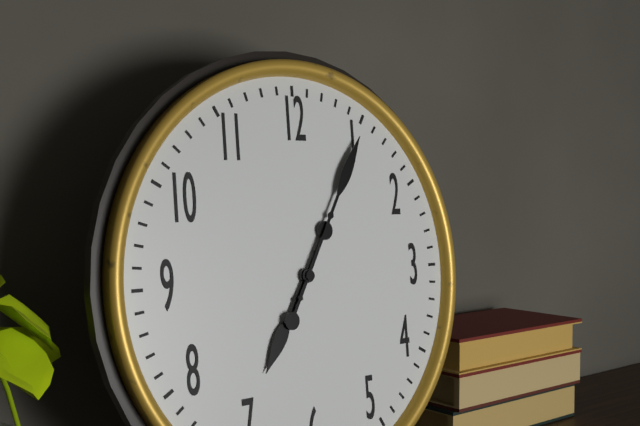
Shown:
7 h 05 min
